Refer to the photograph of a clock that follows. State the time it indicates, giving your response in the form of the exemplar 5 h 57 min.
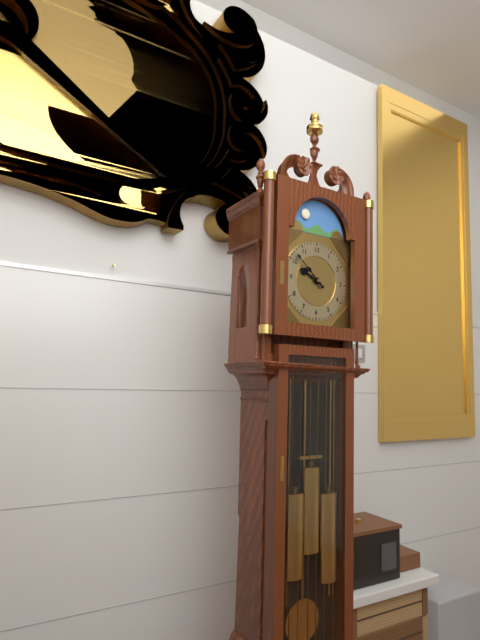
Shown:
9 h 52 min
